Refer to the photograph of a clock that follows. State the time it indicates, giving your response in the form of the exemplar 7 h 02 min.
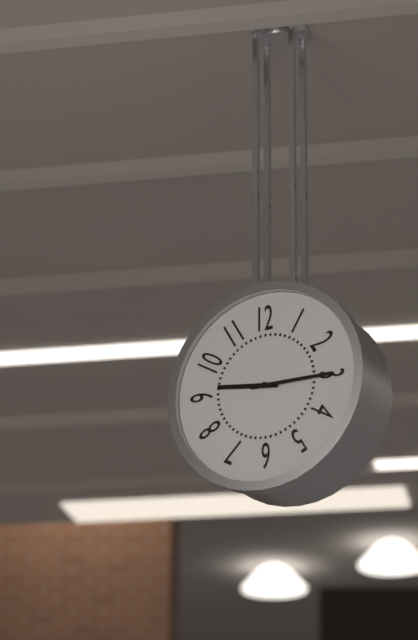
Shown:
9 h 15 min
